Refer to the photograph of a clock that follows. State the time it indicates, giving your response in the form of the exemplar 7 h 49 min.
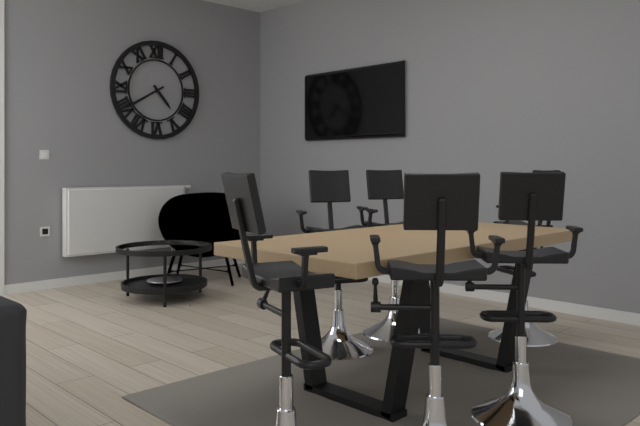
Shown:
4 h 40 min
